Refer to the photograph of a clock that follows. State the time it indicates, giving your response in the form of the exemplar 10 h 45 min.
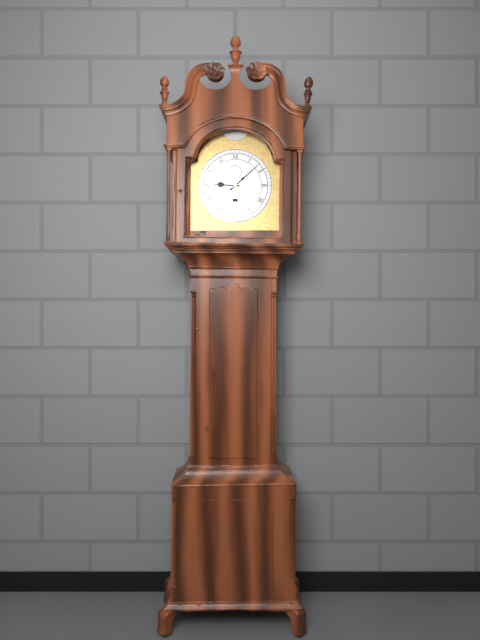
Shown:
9 h 08 min
